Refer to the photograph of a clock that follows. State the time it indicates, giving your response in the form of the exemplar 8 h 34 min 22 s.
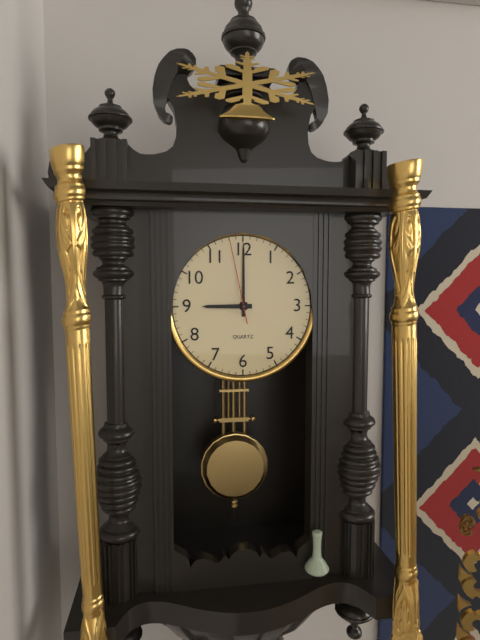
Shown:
9 h 00 min 58 s
